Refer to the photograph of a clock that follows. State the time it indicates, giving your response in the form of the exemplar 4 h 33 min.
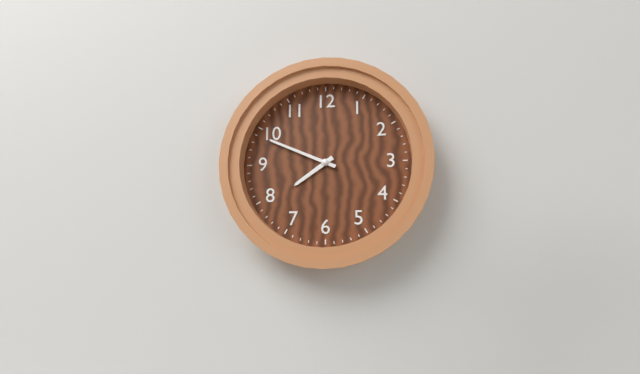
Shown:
7 h 49 min
